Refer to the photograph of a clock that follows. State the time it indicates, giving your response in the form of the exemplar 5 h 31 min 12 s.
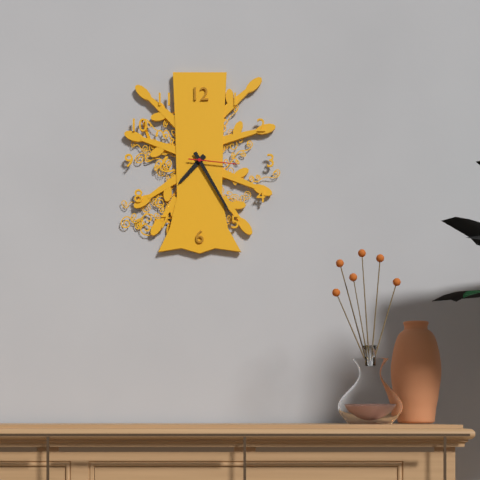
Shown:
7 h 25 min 16 s
